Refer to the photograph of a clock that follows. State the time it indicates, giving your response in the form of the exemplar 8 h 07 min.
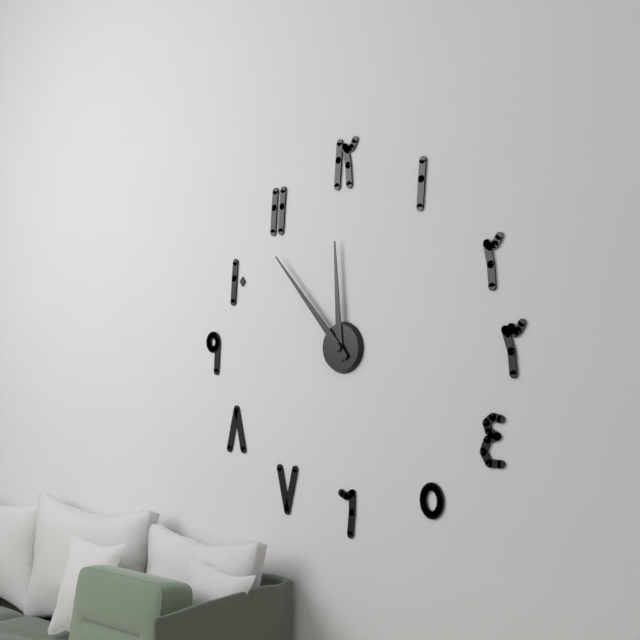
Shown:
11 h 53 min
